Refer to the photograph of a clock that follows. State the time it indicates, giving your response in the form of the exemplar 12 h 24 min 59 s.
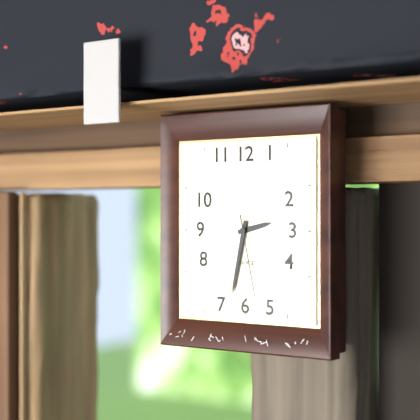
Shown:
2 h 32 min 28 s
